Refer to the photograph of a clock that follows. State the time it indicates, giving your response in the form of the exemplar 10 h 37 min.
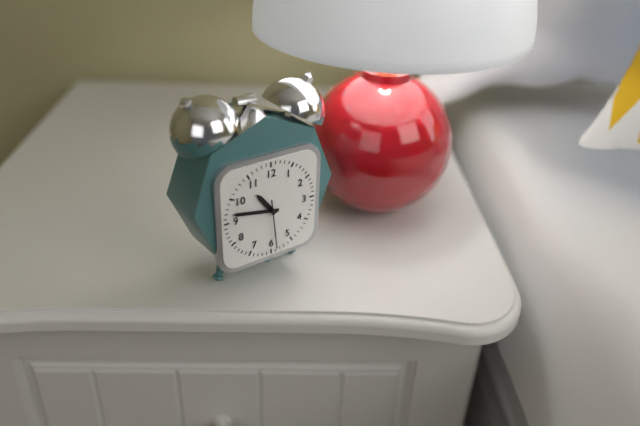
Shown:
10 h 47 min
